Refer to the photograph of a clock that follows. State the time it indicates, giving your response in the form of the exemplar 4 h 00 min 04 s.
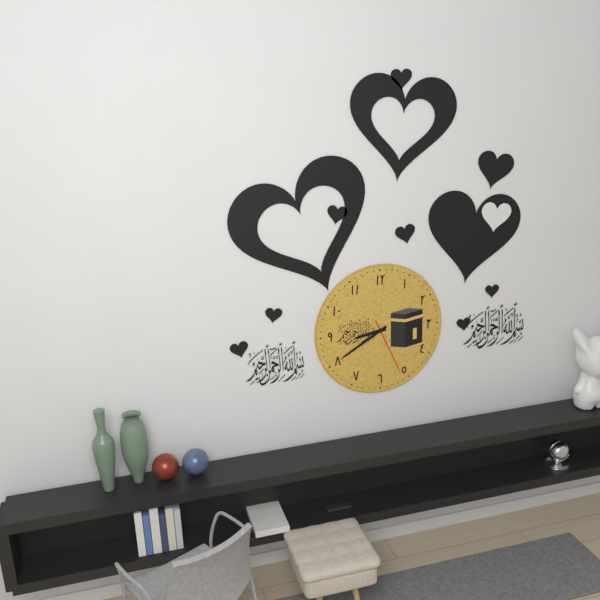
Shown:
8 h 40 min 26 s
